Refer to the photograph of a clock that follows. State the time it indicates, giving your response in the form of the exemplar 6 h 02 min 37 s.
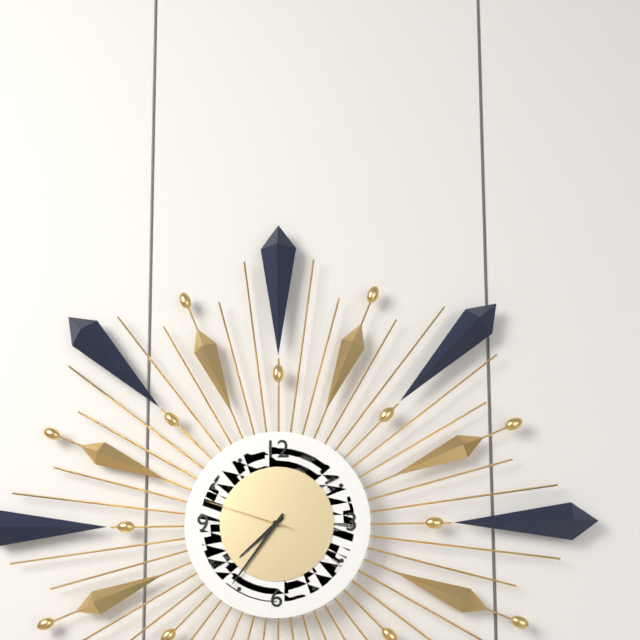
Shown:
7 h 36 min 48 s
